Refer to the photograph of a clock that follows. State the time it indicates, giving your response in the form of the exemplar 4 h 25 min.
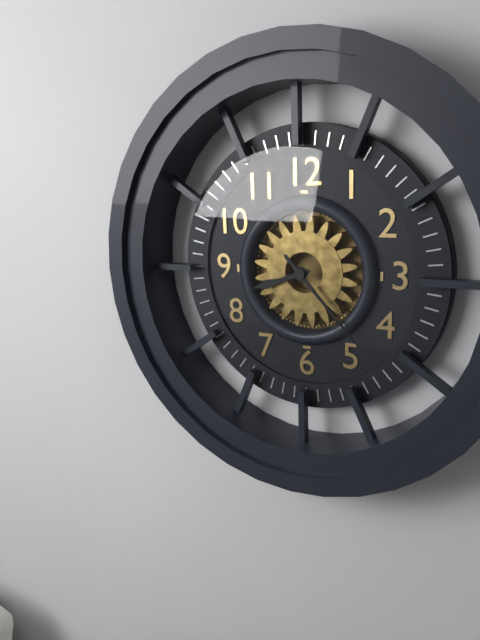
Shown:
8 h 23 min
